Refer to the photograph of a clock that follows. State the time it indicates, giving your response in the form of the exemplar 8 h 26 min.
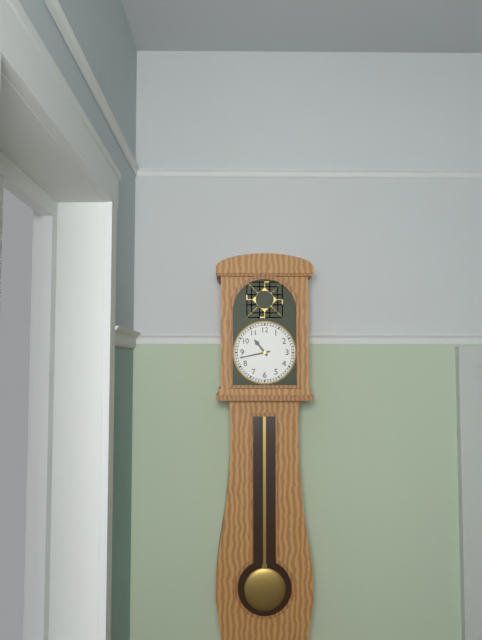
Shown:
10 h 43 min
